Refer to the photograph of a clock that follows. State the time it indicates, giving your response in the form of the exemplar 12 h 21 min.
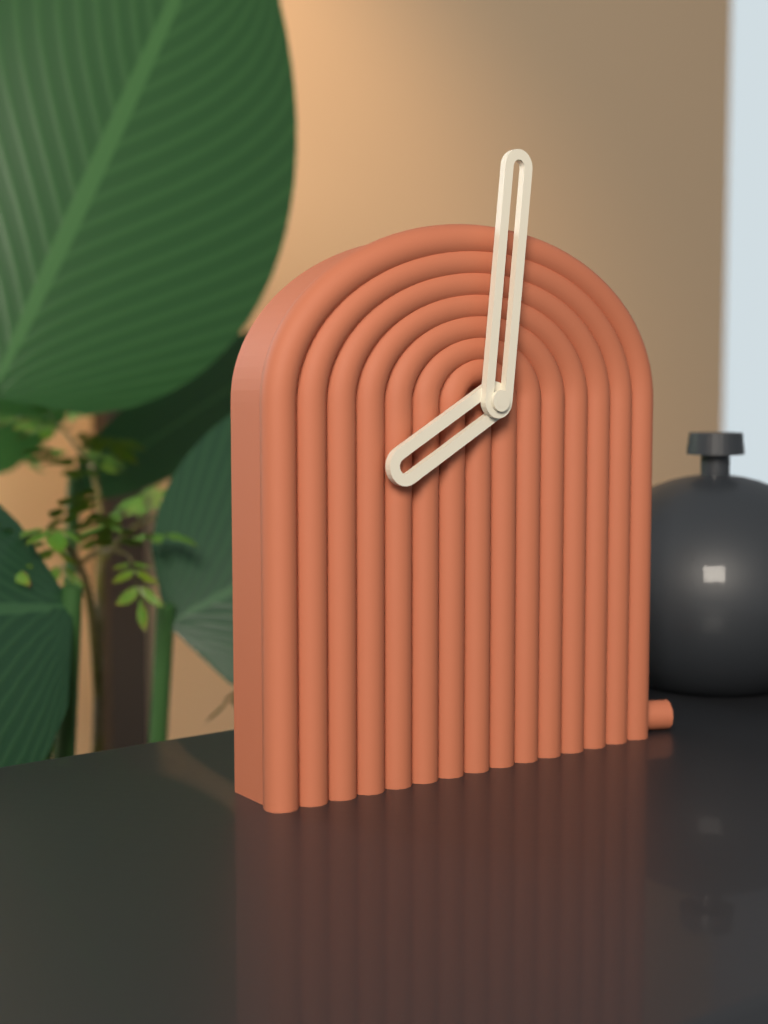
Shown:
8 h 01 min
